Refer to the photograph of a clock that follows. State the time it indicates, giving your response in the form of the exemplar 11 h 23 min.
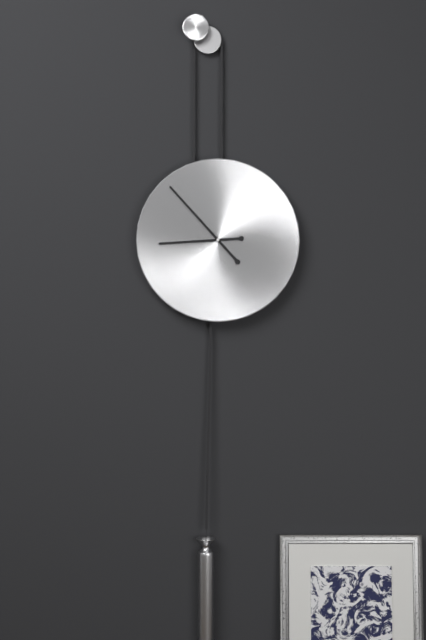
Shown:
8 h 53 min
